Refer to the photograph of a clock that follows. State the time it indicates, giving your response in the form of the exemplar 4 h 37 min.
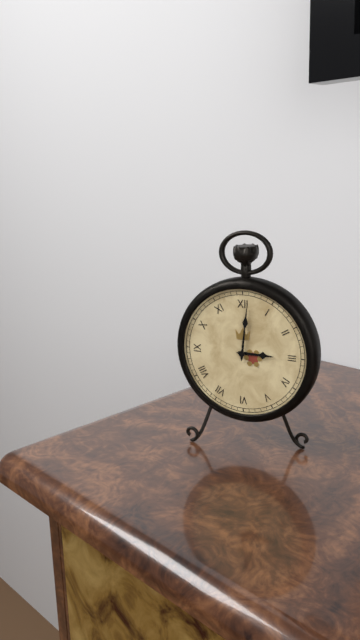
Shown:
3 h 01 min
